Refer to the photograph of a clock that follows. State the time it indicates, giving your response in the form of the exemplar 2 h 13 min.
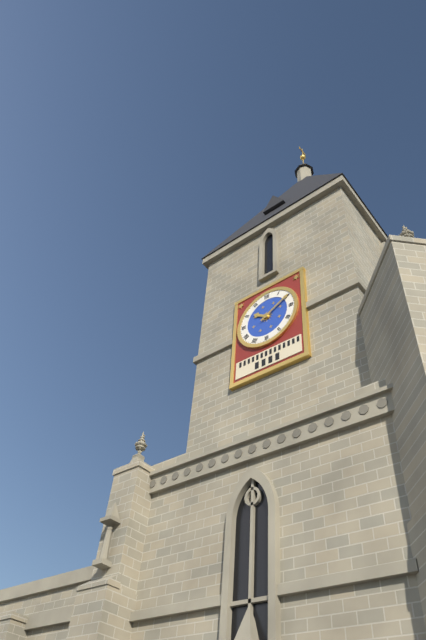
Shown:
10 h 10 min
